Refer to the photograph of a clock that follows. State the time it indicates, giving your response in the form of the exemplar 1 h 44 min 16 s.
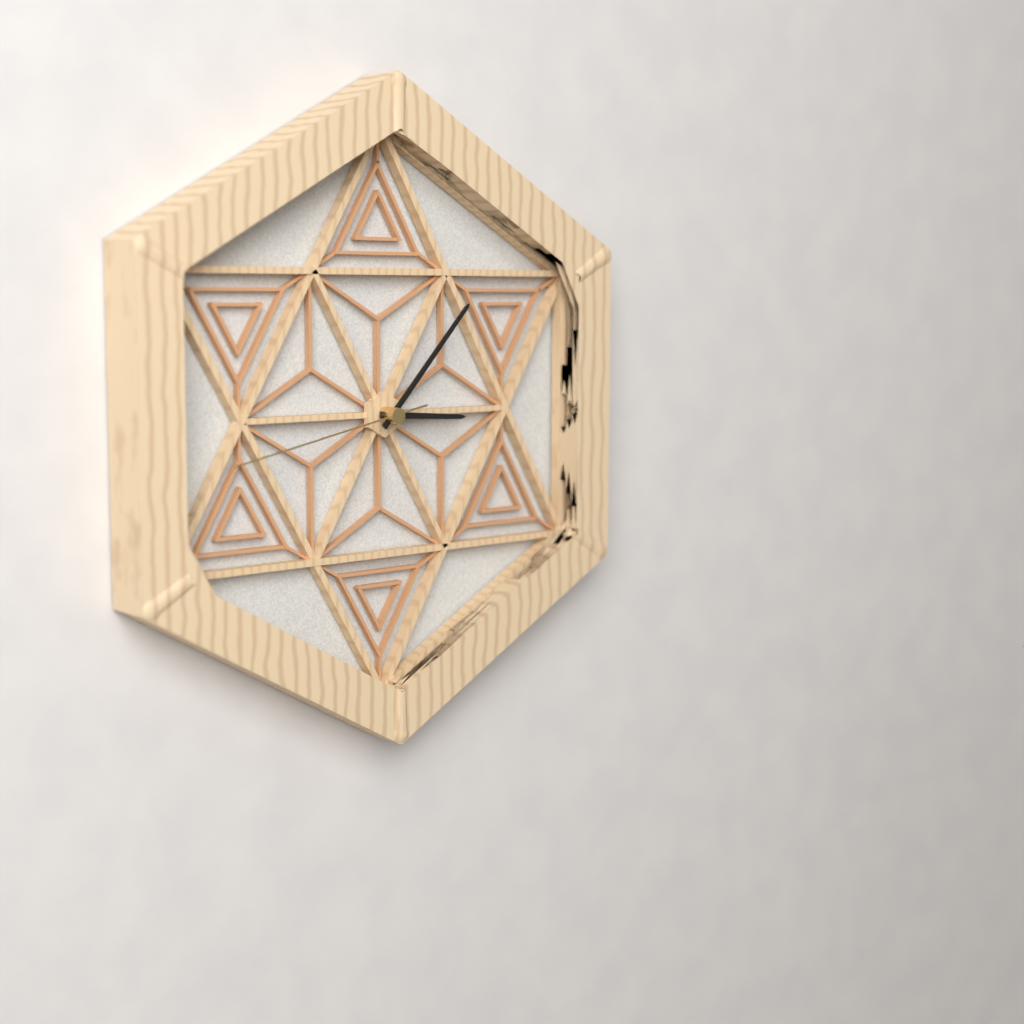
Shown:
3 h 07 min 43 s
